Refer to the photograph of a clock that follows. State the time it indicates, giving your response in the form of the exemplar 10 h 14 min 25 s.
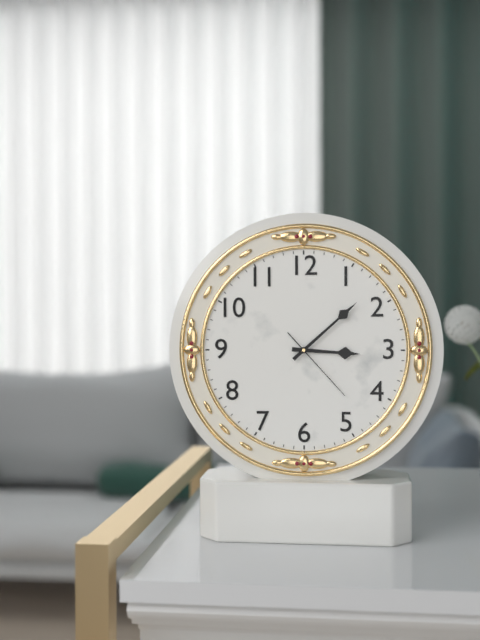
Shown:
3 h 08 min 23 s
